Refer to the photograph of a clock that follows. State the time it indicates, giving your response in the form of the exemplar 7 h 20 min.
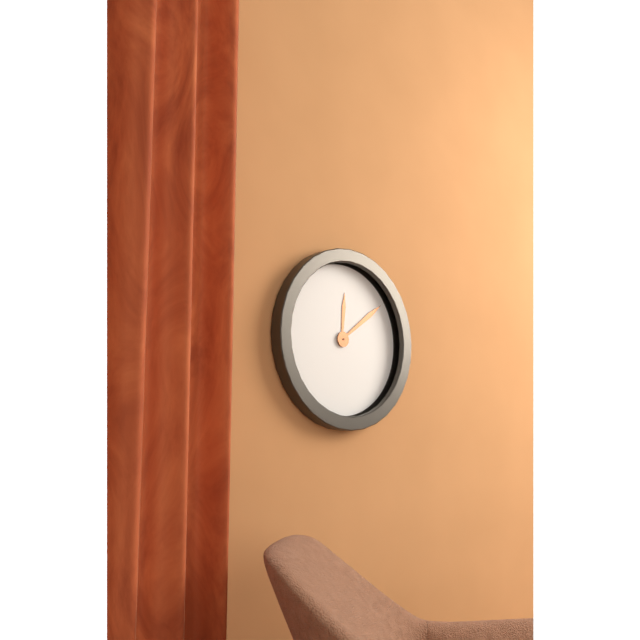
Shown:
12 h 09 min
